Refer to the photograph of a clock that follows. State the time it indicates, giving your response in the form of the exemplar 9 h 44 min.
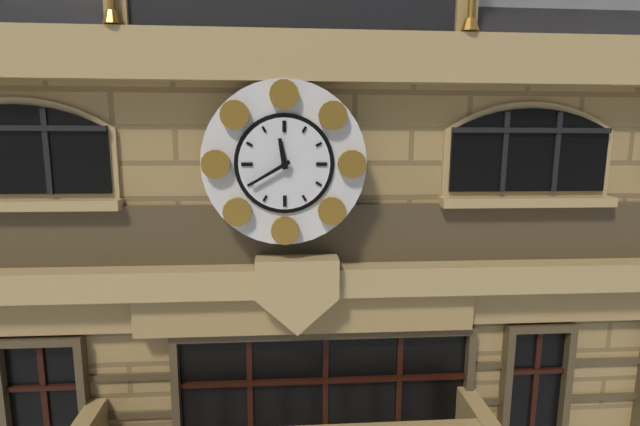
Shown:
11 h 40 min
